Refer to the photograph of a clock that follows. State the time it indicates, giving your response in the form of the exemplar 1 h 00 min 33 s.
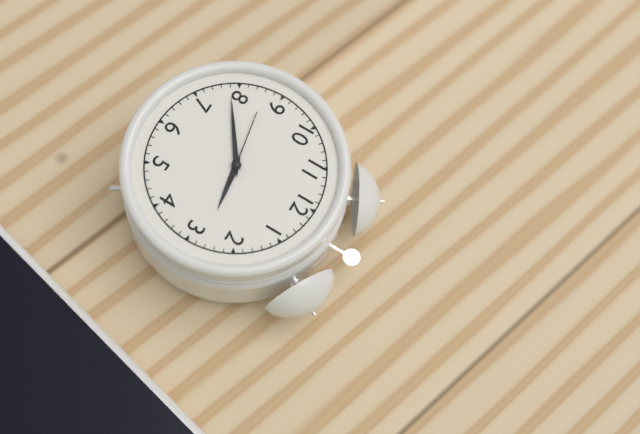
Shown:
2 h 39 min 43 s
